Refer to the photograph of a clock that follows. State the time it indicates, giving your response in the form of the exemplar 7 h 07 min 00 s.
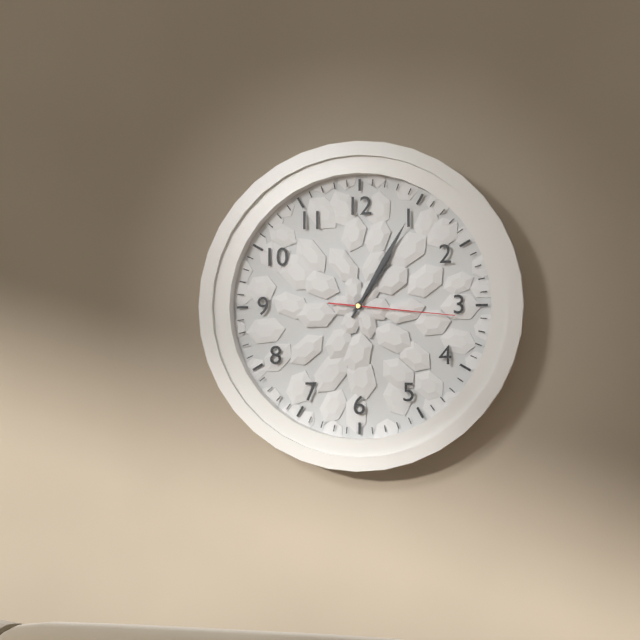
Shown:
1 h 05 min 16 s
